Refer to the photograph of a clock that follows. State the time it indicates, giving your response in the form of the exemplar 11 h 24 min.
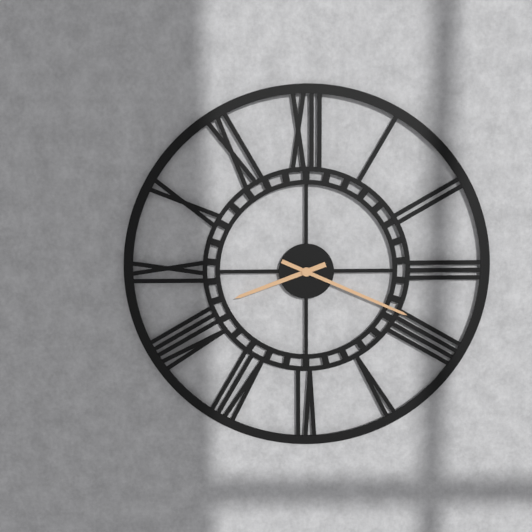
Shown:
8 h 19 min
